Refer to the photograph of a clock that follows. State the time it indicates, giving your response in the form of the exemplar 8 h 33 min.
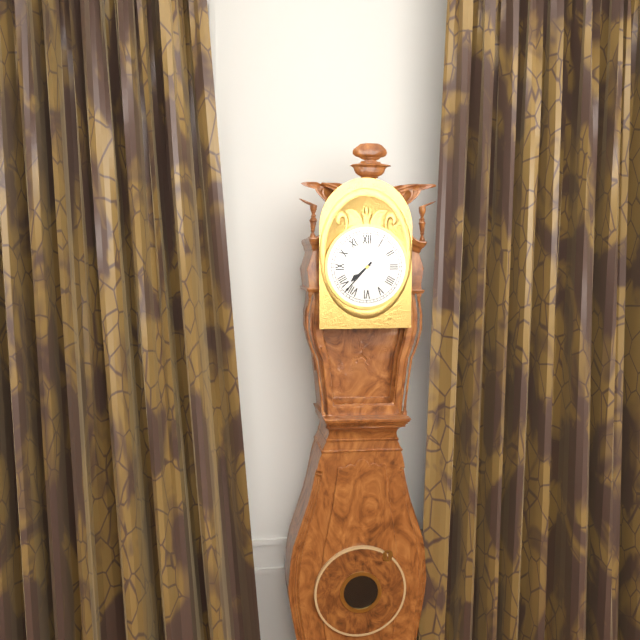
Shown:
7 h 37 min
